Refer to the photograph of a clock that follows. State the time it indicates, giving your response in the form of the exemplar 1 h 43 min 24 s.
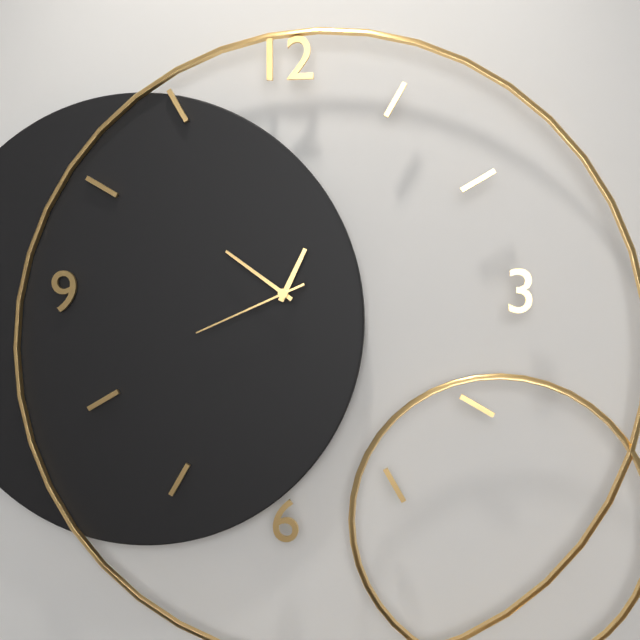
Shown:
12 h 51 min 41 s
